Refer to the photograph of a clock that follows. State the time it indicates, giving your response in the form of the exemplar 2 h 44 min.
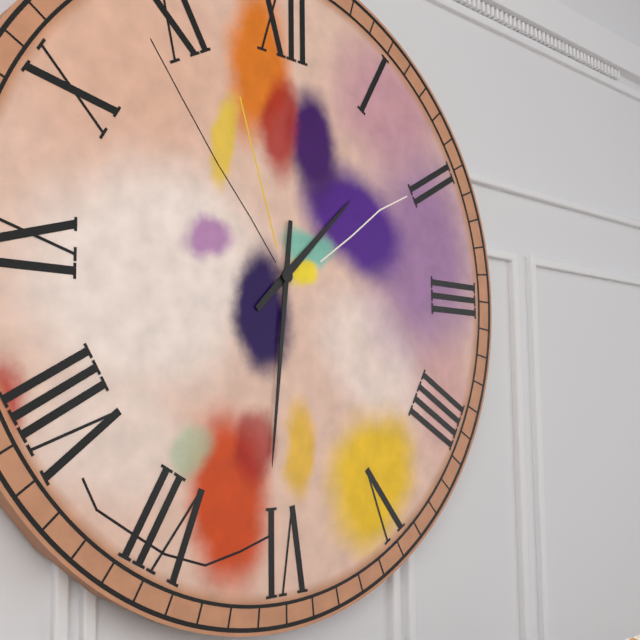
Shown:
1 h 31 min
